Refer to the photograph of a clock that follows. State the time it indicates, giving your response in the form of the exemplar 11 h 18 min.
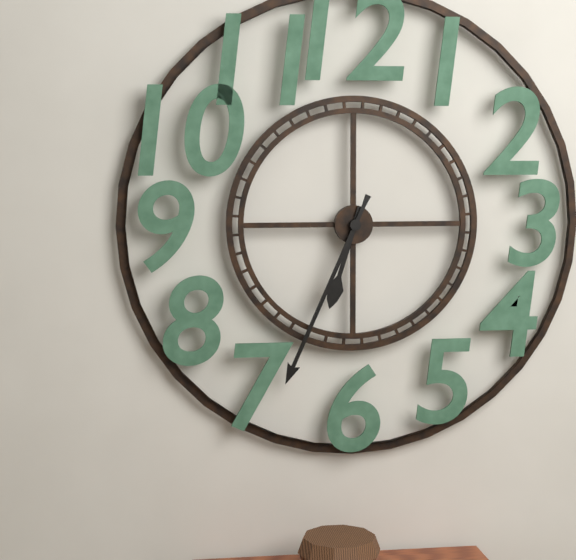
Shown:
6 h 34 min
